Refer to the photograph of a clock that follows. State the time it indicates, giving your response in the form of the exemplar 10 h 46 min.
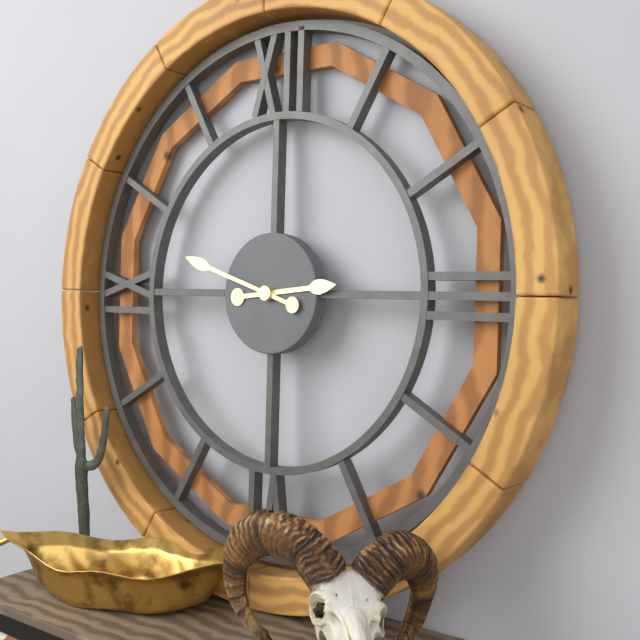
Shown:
2 h 48 min
